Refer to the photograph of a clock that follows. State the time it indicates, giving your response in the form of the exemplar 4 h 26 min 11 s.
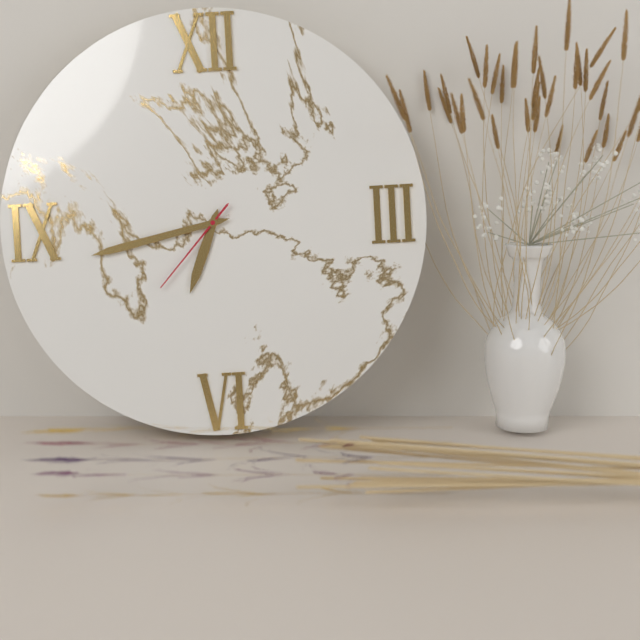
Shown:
6 h 43 min 37 s
